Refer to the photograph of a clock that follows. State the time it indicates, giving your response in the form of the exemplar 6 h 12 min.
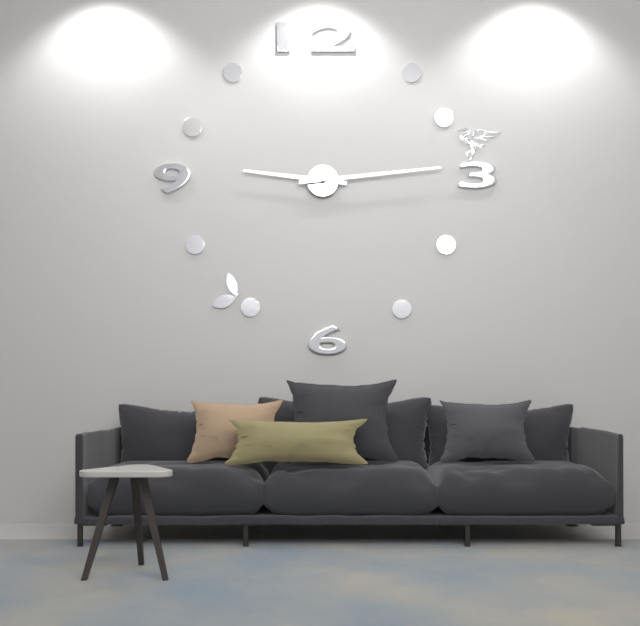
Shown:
9 h 14 min
